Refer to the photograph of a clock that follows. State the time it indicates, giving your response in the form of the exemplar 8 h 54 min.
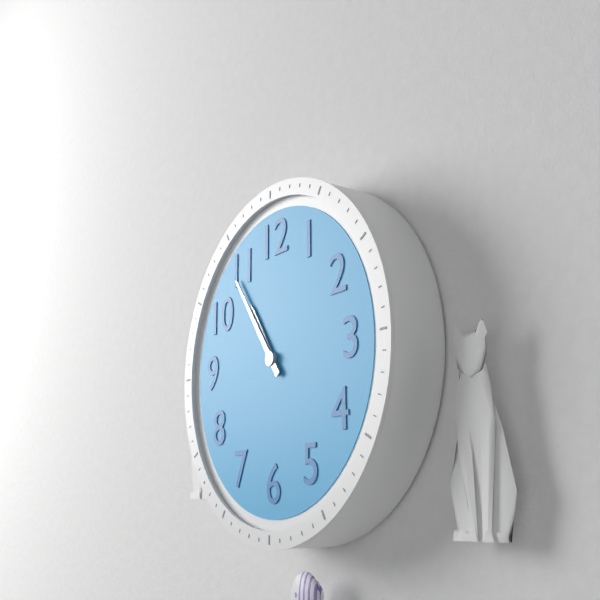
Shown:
10 h 54 min
